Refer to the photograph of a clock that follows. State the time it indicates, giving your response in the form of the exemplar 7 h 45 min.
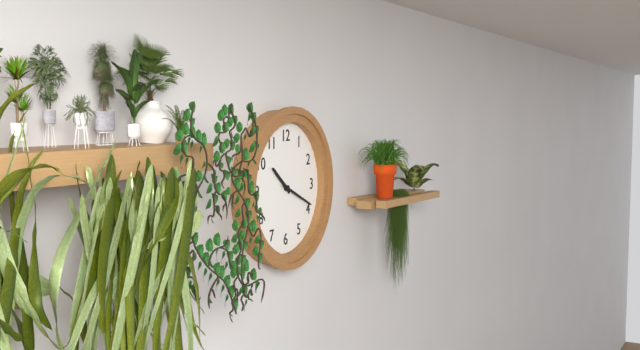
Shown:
10 h 19 min
